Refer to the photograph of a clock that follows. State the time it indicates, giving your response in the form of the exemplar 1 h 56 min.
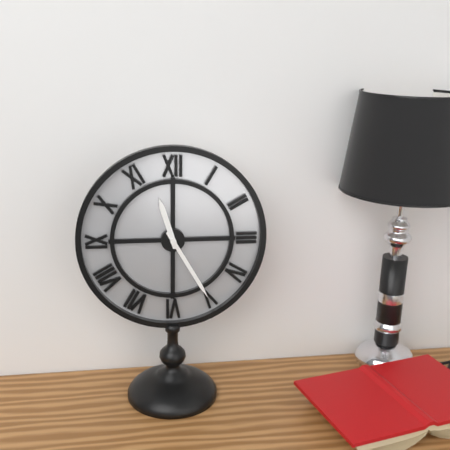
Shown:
11 h 25 min
